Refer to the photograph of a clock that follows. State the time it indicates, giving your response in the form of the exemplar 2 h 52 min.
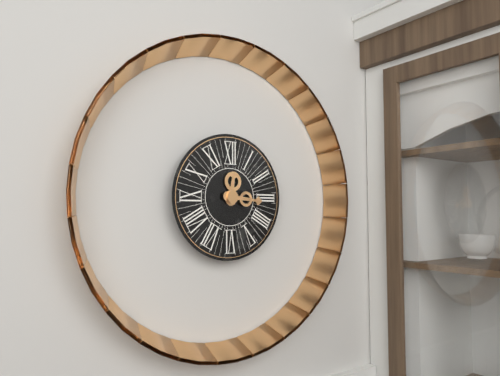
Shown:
12 h 16 min
